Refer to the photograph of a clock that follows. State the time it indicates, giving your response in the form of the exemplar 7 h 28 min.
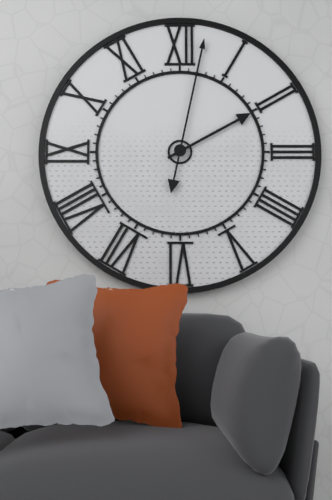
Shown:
2 h 02 min
